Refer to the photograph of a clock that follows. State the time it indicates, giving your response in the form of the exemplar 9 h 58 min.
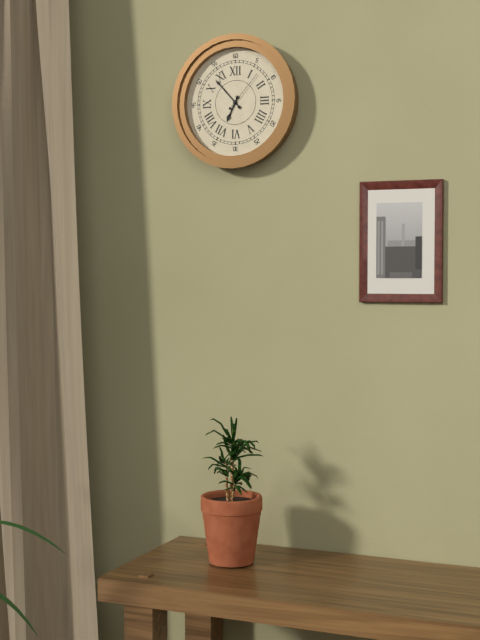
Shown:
6 h 53 min
